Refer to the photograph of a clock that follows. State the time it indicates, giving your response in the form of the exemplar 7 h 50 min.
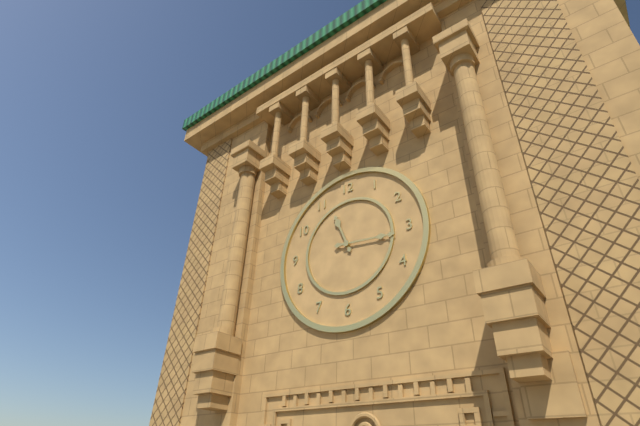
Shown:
11 h 16 min
